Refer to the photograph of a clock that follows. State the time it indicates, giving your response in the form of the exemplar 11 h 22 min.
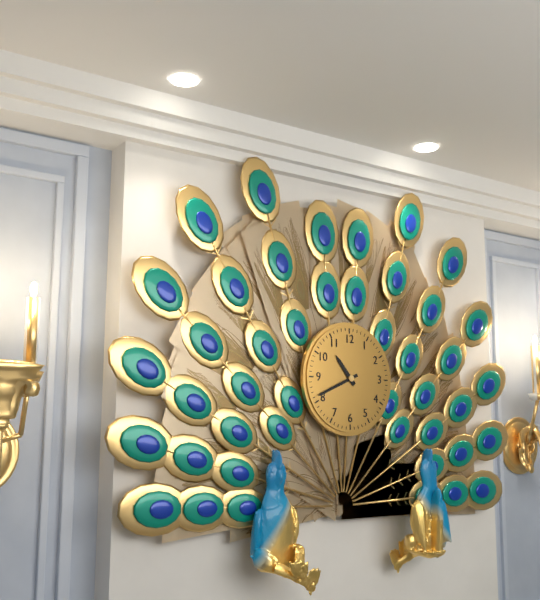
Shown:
10 h 41 min
